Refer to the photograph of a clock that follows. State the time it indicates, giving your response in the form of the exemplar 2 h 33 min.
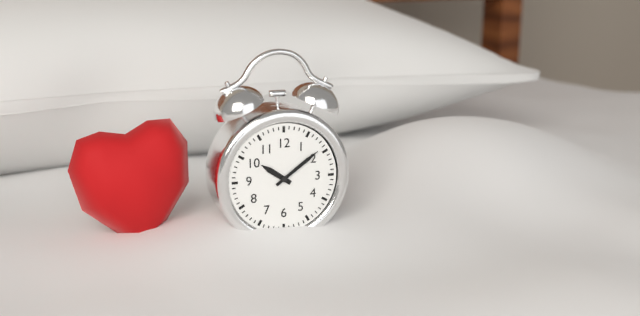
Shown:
10 h 09 min
